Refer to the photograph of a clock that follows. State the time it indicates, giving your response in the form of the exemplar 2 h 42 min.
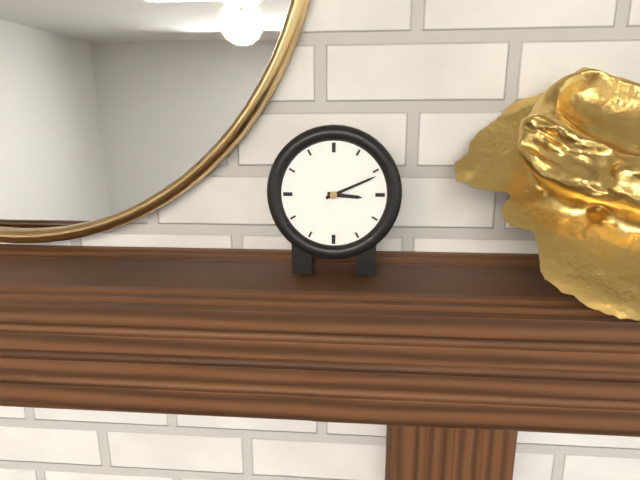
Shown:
3 h 11 min
